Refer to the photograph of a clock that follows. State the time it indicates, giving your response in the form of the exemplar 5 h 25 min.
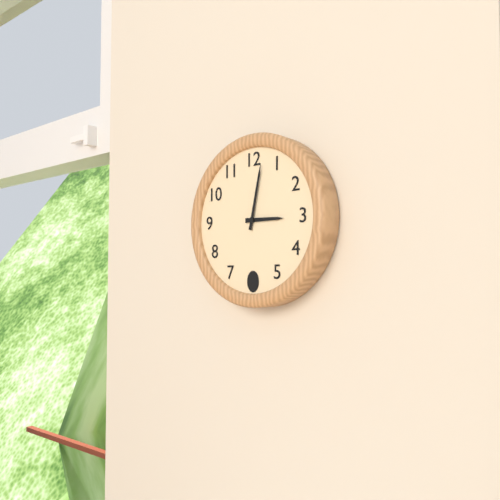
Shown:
3 h 02 min
